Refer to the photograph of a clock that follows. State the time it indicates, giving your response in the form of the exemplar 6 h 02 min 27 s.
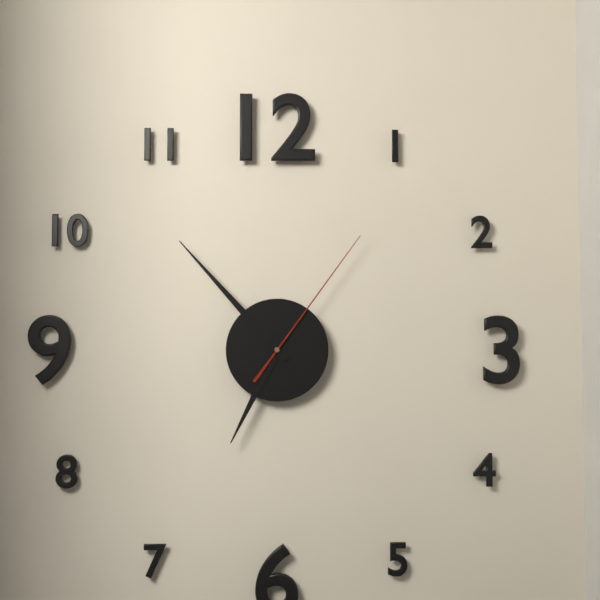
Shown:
6 h 53 min 06 s
